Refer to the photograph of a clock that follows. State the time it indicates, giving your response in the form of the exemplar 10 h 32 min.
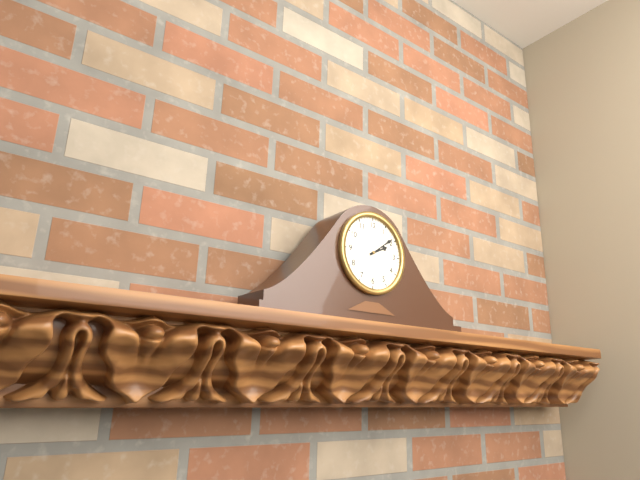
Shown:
2 h 09 min
